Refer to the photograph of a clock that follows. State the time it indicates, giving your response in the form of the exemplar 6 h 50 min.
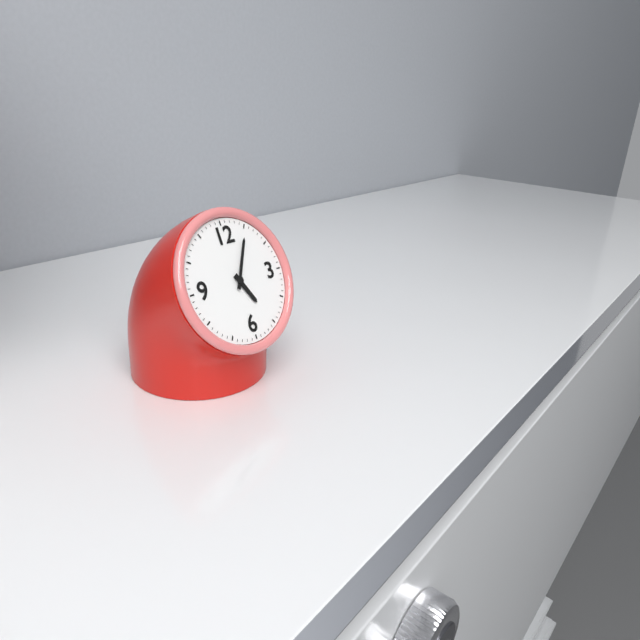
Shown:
5 h 05 min
